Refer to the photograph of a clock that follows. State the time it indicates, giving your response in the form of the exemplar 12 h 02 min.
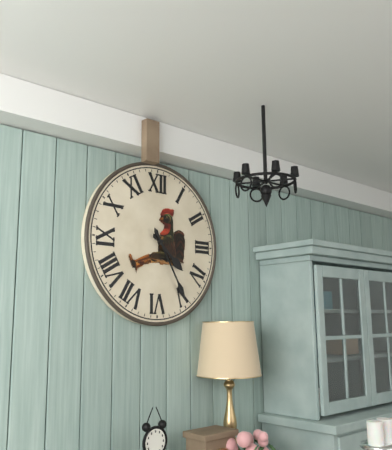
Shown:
4 h 25 min
